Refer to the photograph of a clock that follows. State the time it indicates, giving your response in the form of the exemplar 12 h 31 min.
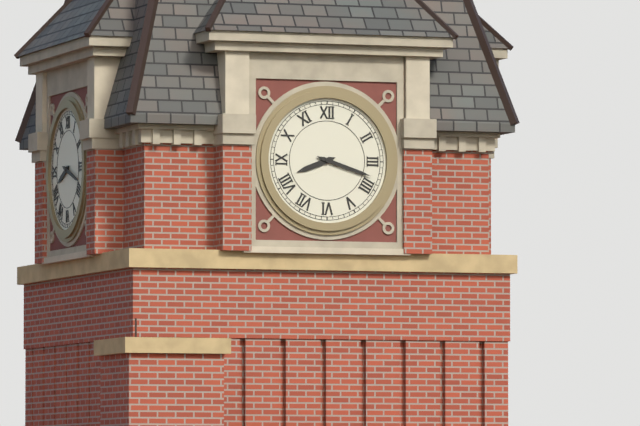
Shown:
8 h 18 min
